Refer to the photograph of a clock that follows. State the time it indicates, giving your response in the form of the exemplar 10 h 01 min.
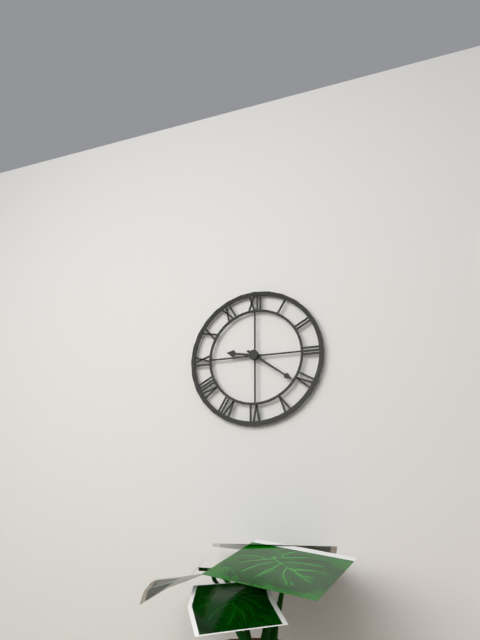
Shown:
9 h 21 min
